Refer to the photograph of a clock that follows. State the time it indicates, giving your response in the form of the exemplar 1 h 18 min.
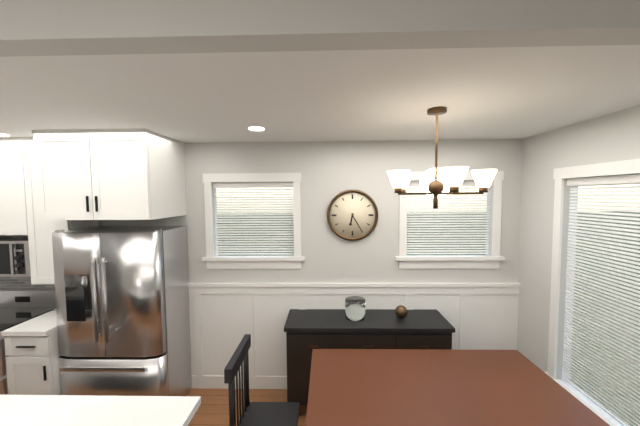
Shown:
6 h 25 min
